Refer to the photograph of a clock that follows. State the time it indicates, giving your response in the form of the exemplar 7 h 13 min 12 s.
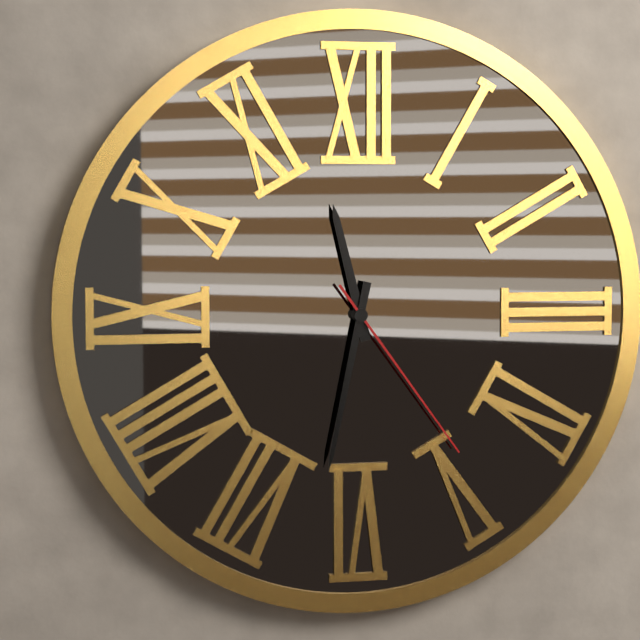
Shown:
11 h 32 min 24 s
